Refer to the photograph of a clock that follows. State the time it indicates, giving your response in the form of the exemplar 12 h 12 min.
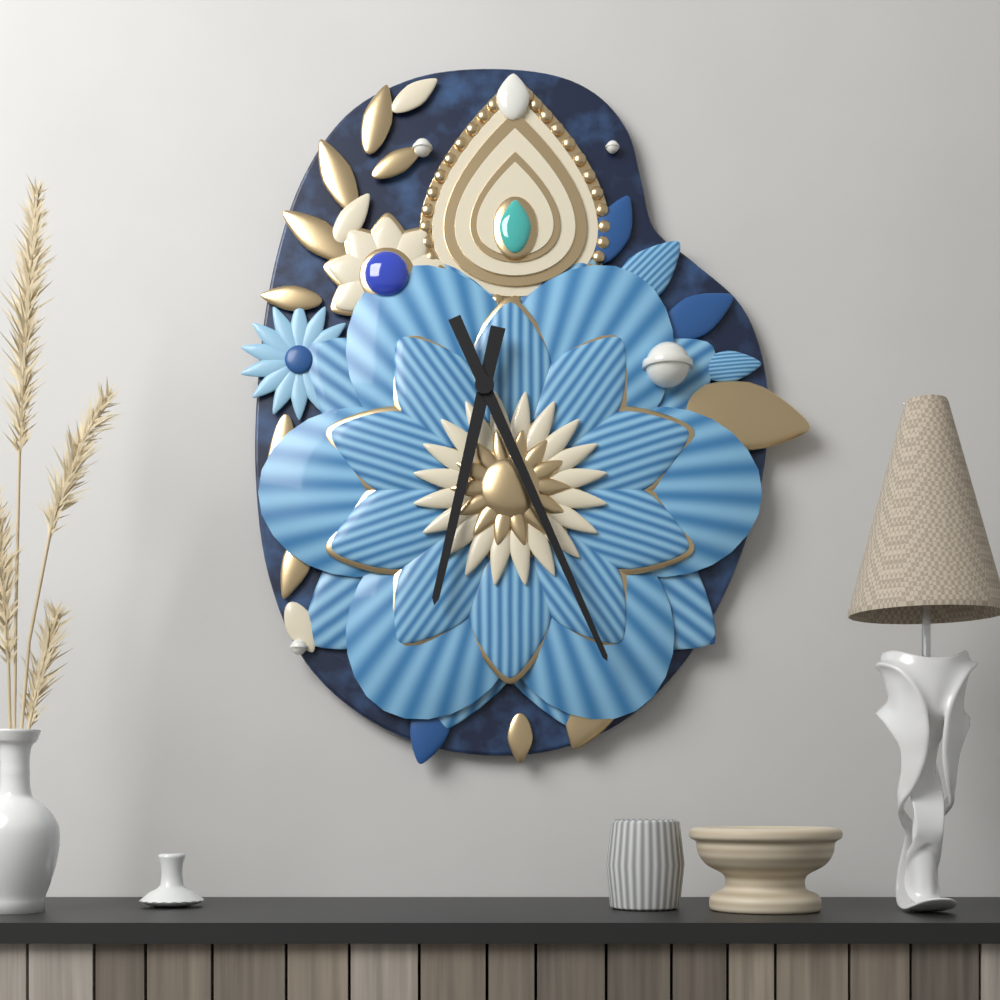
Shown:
6 h 26 min
